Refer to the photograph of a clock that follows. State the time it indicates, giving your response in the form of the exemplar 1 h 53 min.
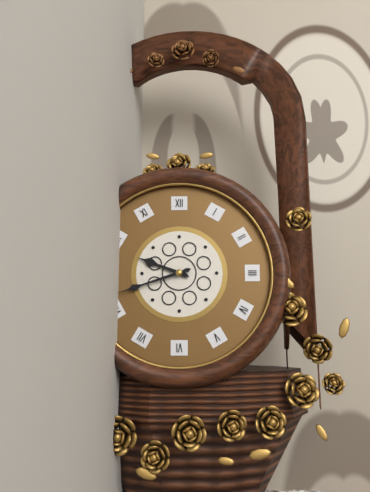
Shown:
9 h 42 min
